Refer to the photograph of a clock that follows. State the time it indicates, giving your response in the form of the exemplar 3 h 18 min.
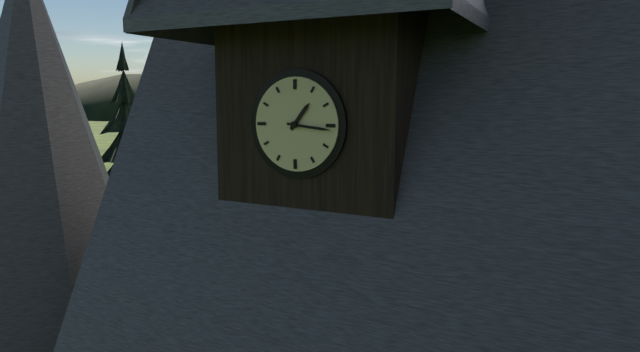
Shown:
1 h 16 min
